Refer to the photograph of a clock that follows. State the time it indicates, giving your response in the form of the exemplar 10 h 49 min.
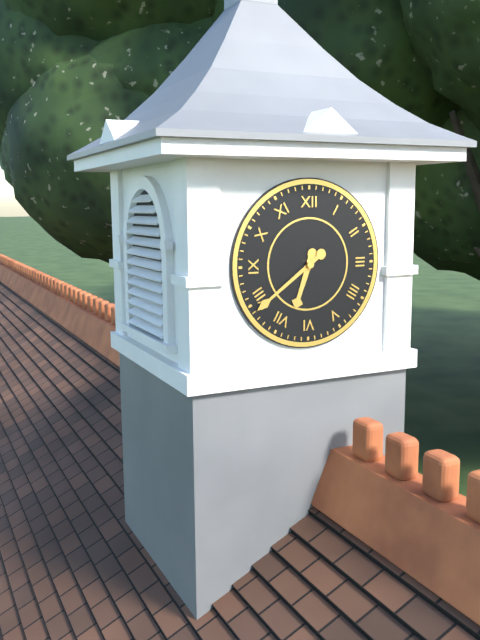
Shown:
6 h 39 min
